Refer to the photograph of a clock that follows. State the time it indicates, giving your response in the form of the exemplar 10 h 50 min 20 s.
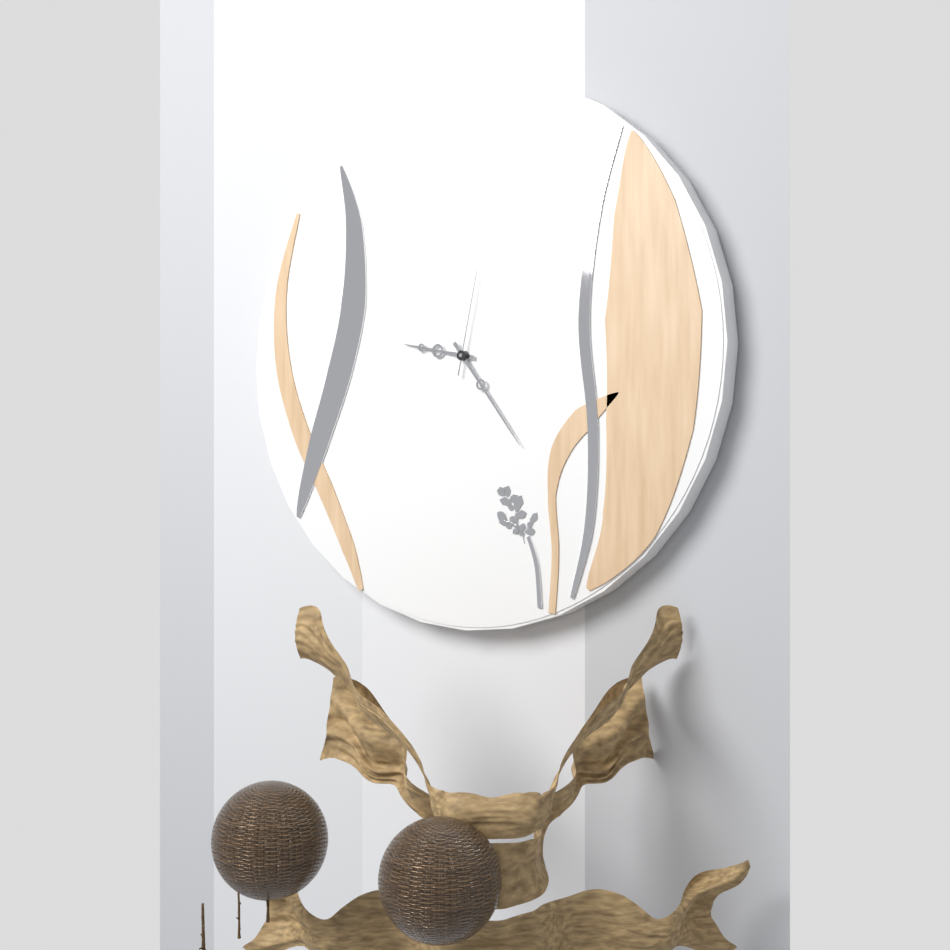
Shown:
9 h 24 min 02 s
